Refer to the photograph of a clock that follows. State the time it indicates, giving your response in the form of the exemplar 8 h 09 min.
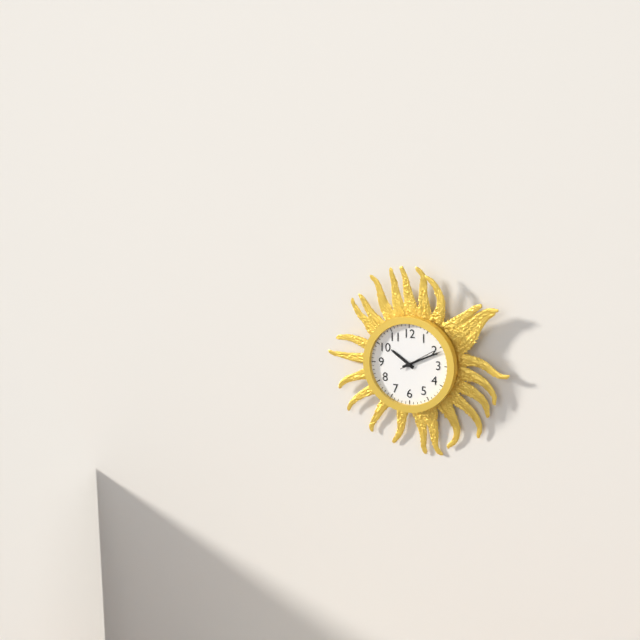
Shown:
10 h 11 min
